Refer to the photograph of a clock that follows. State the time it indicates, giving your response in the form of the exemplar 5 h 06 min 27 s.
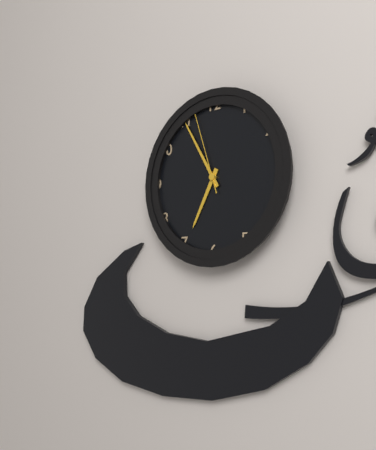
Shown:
6 h 55 min 57 s
